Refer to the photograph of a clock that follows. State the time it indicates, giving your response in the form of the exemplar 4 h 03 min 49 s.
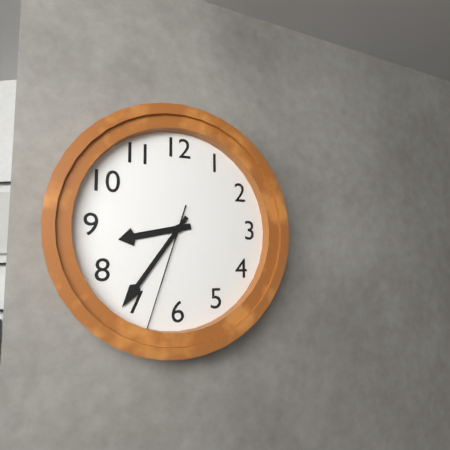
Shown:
8 h 36 min 33 s
